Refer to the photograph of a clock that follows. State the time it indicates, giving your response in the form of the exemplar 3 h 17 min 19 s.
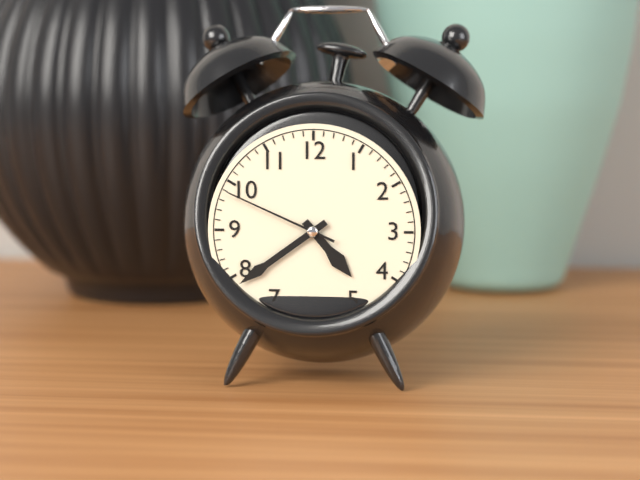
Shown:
4 h 39 min 49 s
